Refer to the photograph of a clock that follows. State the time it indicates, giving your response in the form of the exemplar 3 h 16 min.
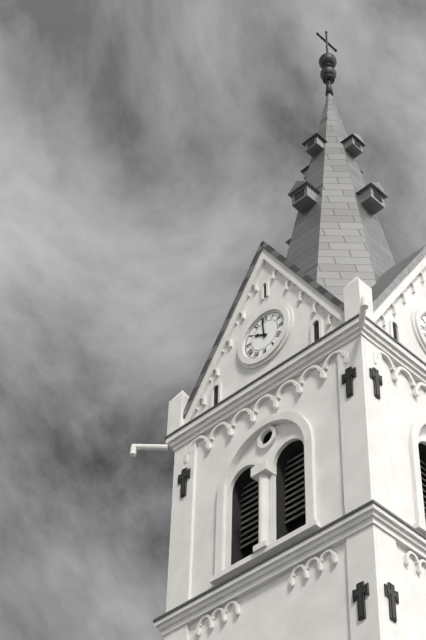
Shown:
9 h 59 min
